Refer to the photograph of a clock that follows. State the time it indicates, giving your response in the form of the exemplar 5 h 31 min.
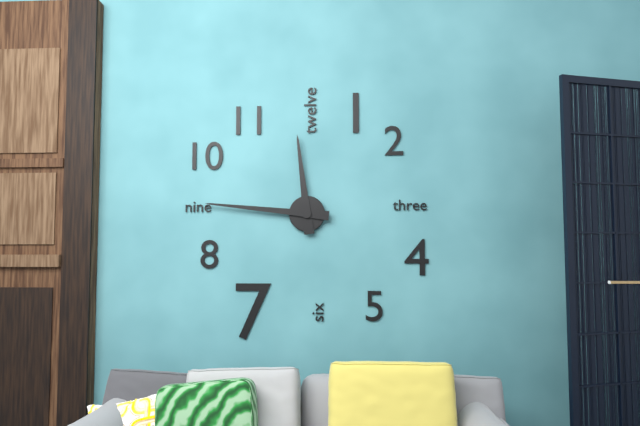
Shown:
11 h 46 min
